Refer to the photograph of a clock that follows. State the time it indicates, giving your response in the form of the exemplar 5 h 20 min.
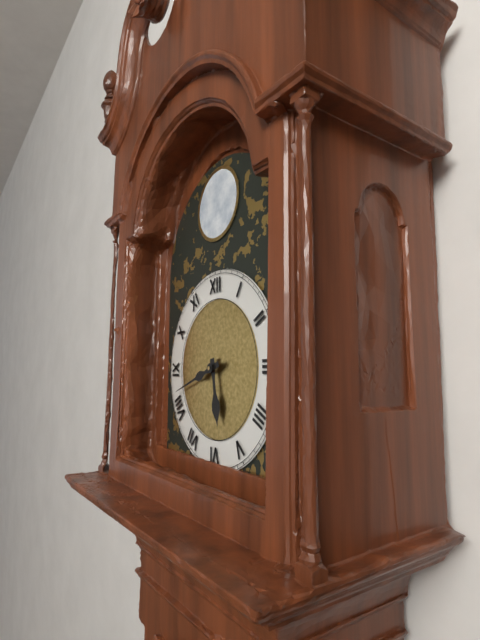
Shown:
5 h 42 min
